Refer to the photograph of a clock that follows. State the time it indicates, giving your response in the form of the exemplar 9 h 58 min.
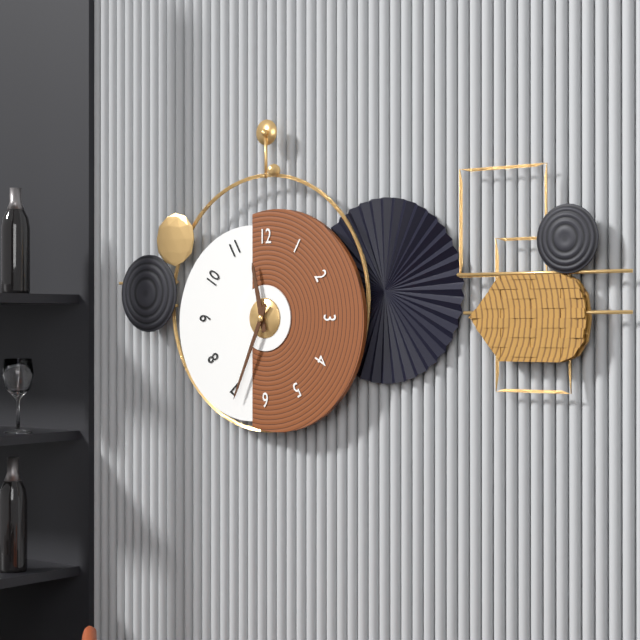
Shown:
11 h 34 min
